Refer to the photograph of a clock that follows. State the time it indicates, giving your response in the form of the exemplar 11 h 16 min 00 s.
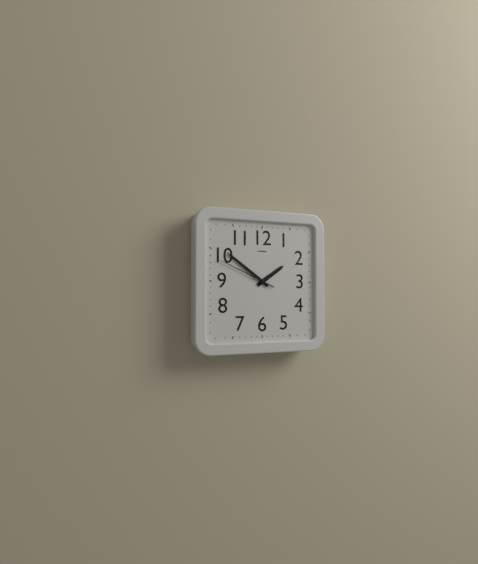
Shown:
1 h 51 min 49 s
